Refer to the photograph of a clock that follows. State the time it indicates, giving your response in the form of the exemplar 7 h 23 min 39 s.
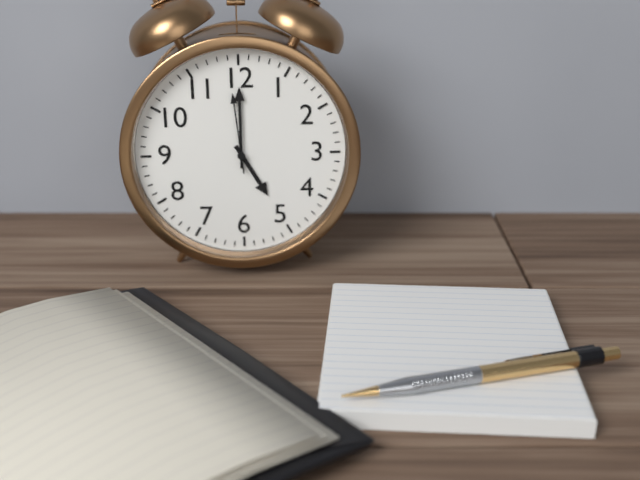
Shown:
5 h 00 min 59 s
